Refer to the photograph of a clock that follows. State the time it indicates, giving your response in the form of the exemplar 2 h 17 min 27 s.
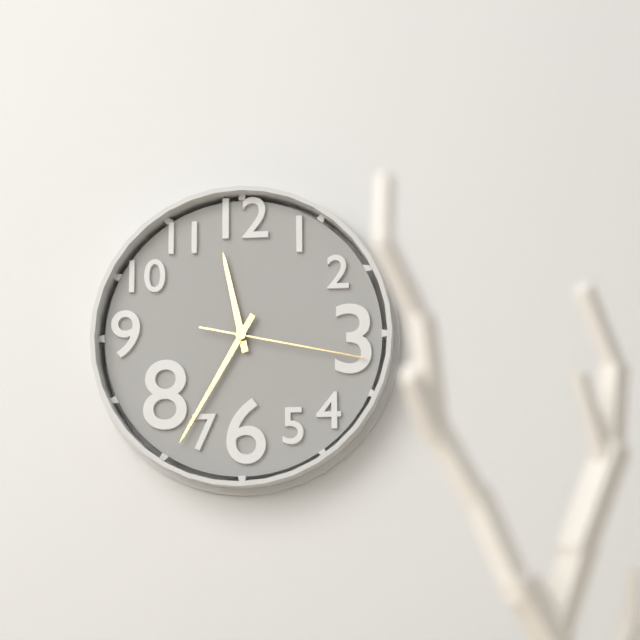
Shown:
11 h 35 min 17 s
